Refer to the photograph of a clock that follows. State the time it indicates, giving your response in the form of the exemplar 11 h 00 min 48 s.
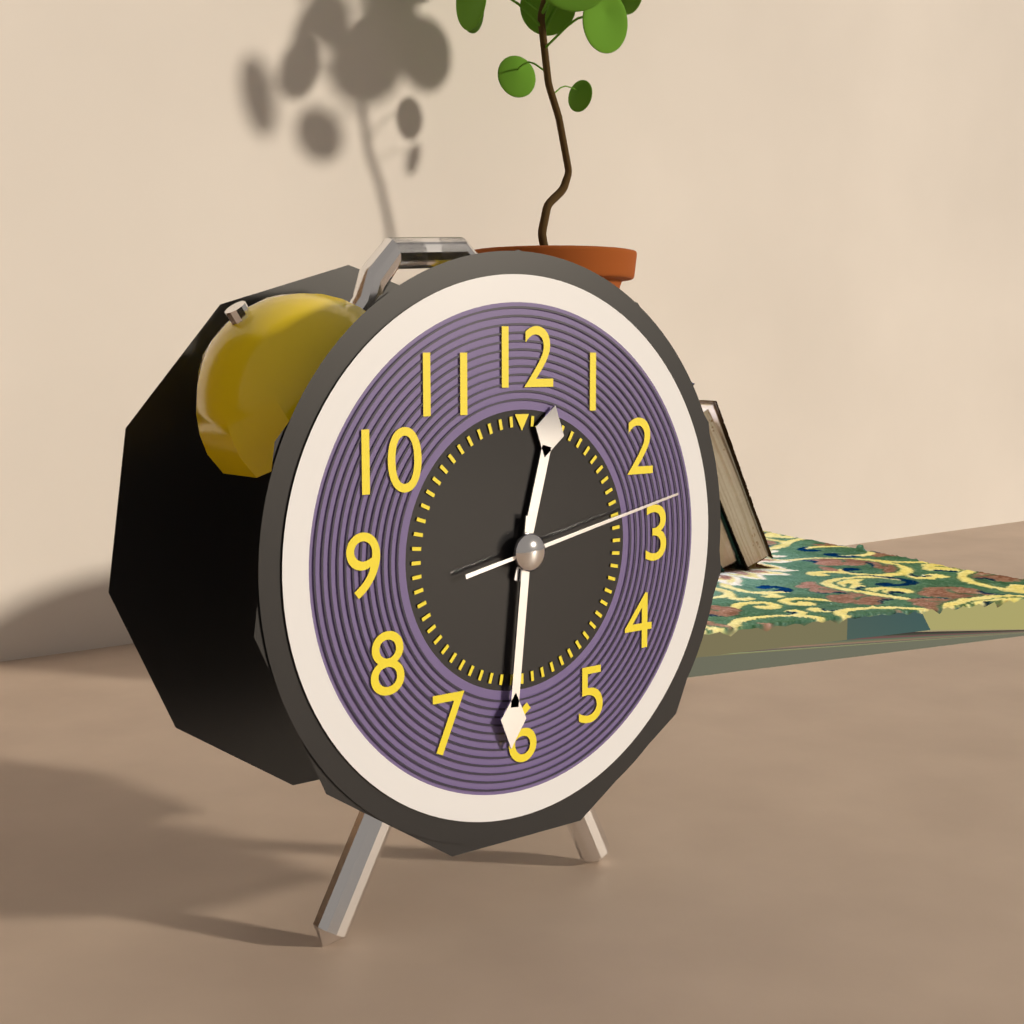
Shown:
12 h 31 min 13 s
